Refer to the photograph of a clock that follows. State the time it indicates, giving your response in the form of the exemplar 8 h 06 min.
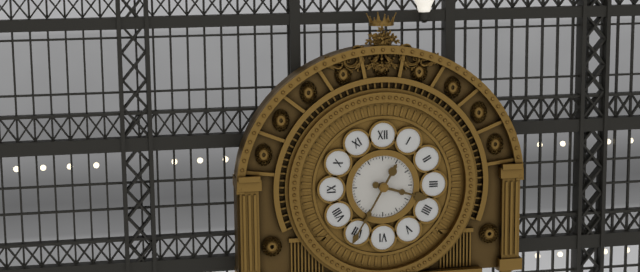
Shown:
3 h 35 min
